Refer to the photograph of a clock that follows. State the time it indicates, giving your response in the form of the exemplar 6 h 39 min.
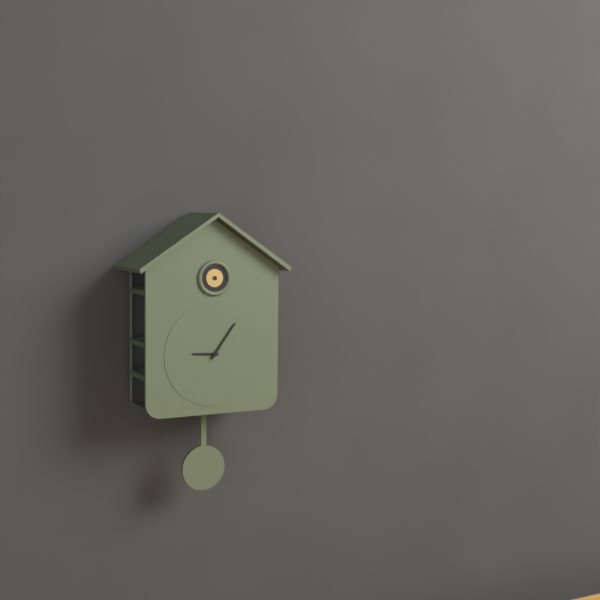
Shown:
9 h 06 min
